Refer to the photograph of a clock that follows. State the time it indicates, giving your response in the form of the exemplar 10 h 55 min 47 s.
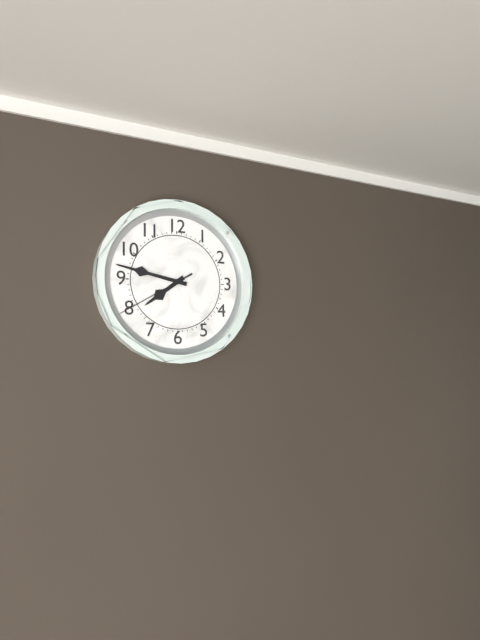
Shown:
7 h 47 min 40 s
